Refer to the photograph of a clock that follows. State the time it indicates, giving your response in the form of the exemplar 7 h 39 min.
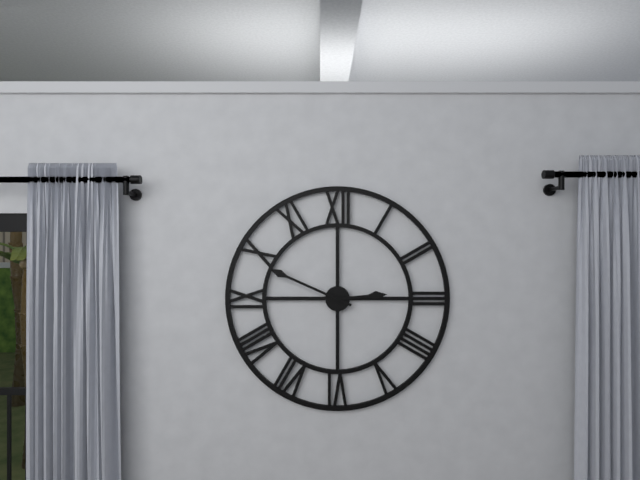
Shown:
2 h 49 min
